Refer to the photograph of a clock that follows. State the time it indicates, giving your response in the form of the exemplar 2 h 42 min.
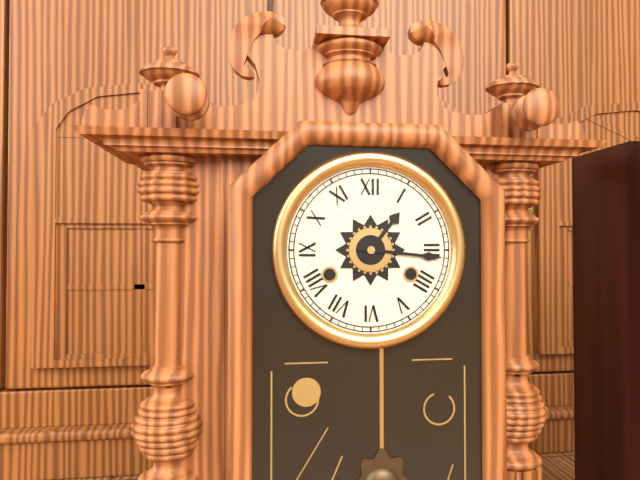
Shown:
1 h 16 min
